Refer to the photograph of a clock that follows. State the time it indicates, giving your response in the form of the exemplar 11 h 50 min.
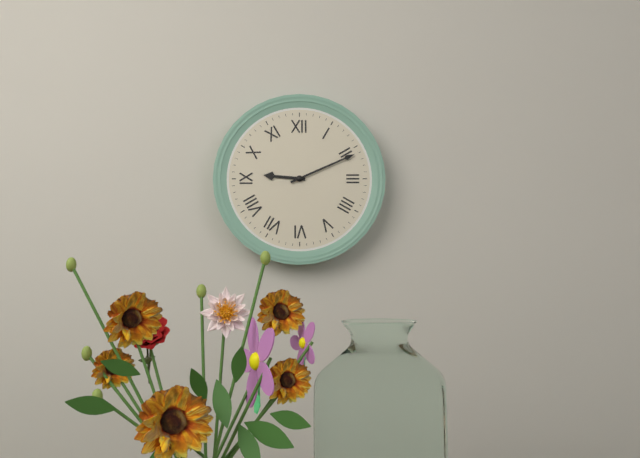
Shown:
9 h 11 min
